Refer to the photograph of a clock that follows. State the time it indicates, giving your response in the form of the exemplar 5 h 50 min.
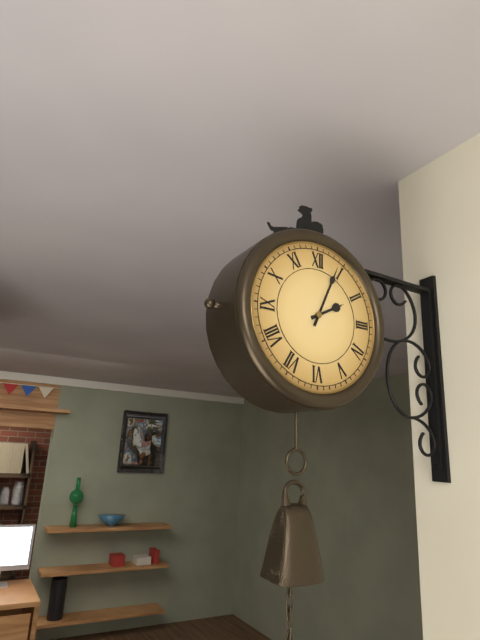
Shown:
2 h 04 min
